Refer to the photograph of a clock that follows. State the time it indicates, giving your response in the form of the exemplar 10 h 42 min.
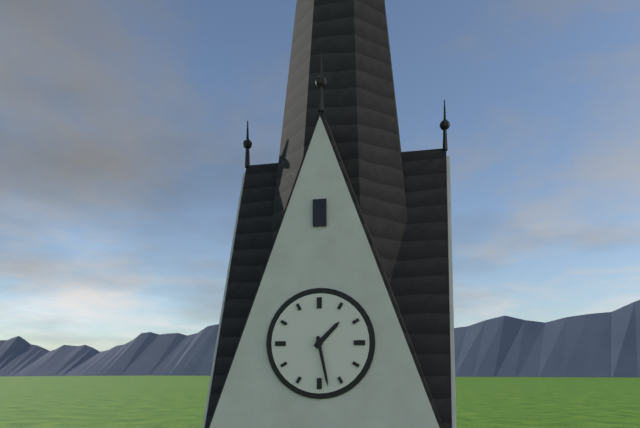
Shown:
1 h 28 min
